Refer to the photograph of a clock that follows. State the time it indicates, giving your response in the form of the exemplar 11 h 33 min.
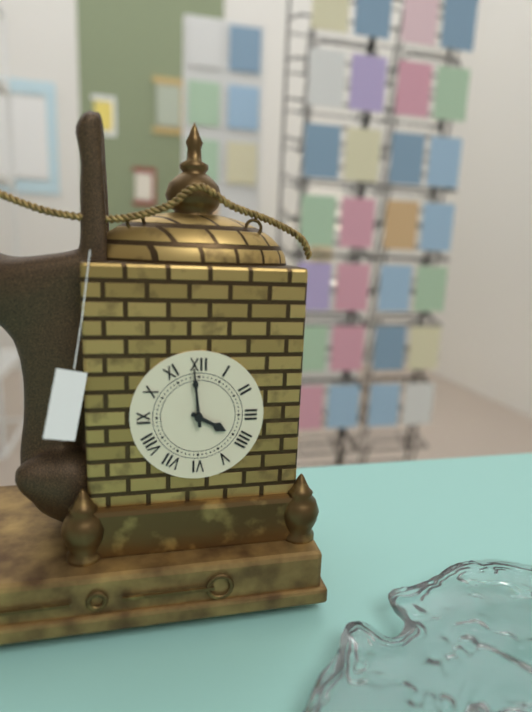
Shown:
3 h 59 min
